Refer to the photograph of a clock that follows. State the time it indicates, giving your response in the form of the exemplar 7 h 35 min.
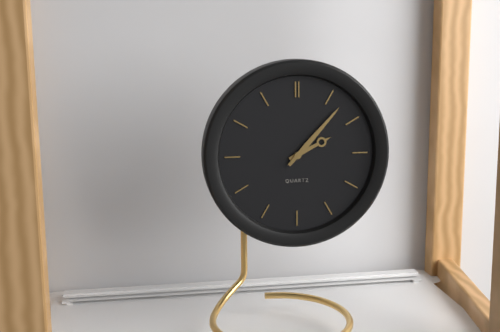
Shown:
2 h 07 min
